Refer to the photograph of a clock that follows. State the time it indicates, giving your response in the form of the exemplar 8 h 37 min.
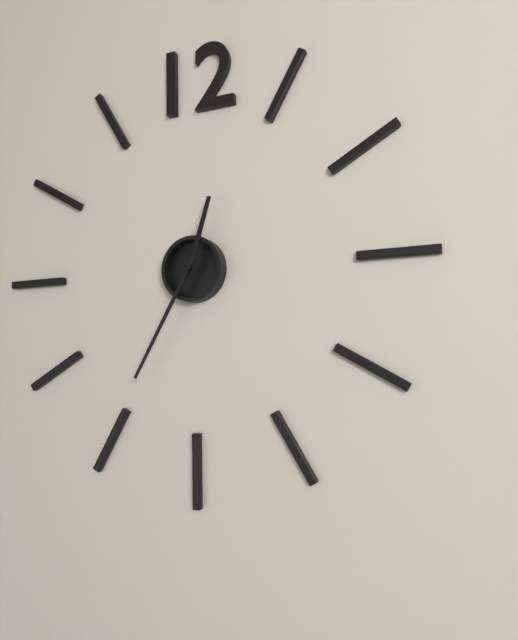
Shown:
12 h 35 min
